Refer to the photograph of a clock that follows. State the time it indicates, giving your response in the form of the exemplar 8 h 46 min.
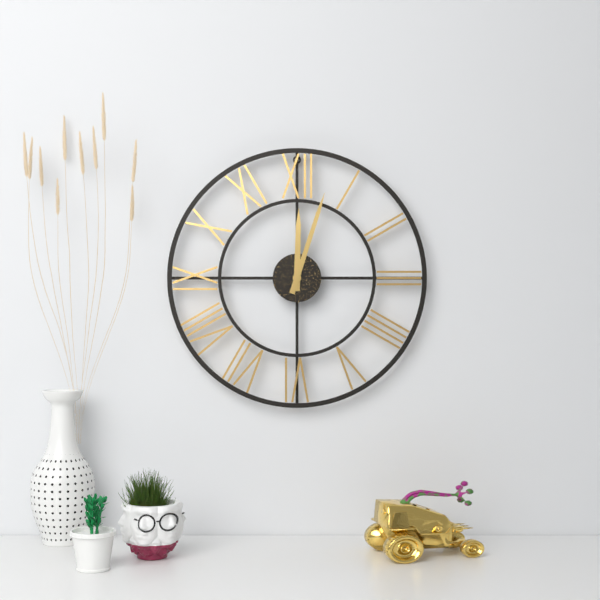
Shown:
12 h 03 min
